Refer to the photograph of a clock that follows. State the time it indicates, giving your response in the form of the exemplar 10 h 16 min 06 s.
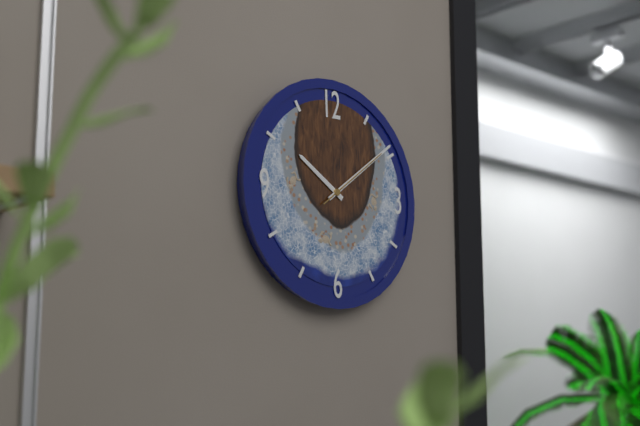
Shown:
10 h 09 min 09 s
